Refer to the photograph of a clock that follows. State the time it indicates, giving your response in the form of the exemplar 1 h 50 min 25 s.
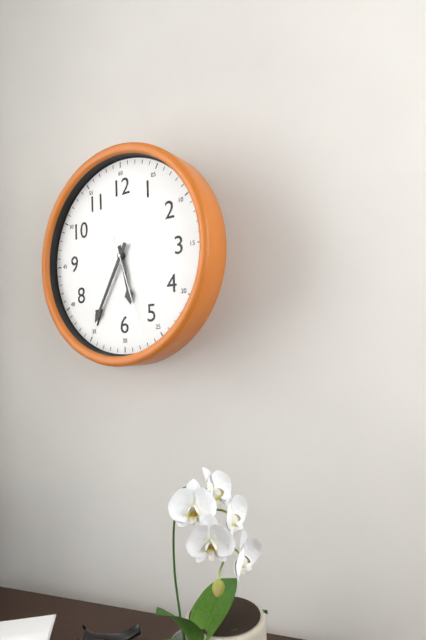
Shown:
5 h 35 min 27 s
